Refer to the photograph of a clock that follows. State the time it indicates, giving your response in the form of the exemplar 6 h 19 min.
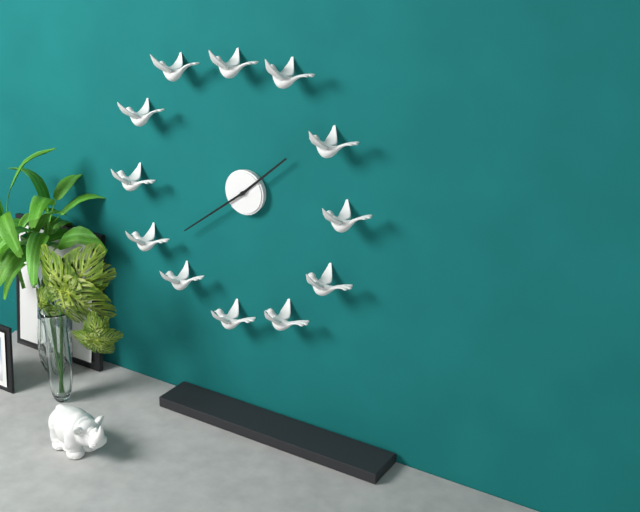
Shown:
1 h 39 min
